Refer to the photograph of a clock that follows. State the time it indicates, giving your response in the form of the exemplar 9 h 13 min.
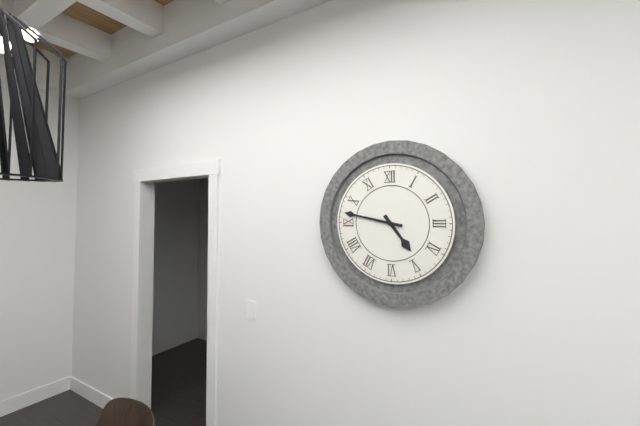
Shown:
4 h 47 min
